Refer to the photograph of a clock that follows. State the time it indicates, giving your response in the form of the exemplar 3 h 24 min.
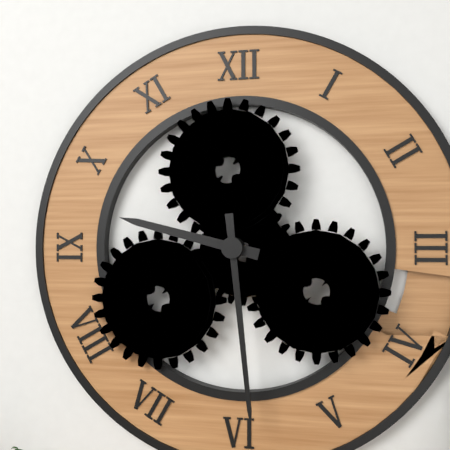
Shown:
9 h 29 min
